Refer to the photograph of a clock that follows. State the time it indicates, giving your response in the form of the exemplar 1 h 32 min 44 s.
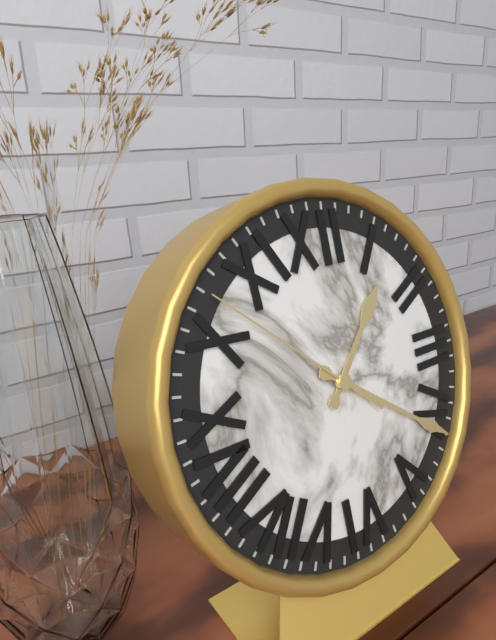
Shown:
1 h 21 min 52 s
